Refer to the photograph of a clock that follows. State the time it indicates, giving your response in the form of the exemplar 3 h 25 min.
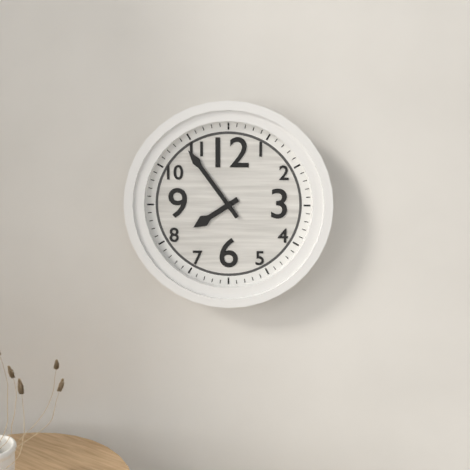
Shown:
7 h 54 min
